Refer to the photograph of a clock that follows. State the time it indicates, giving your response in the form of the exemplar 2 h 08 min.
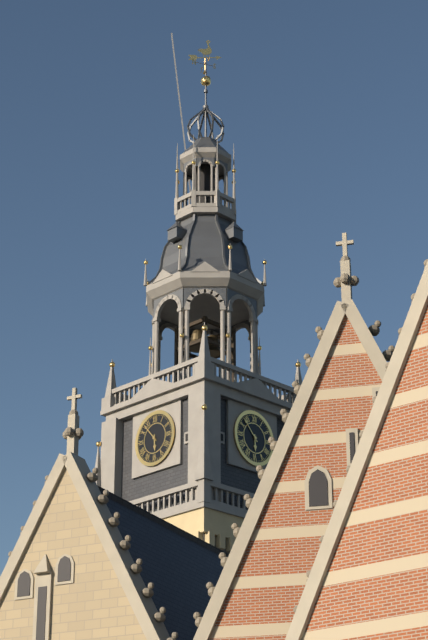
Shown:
5 h 53 min
